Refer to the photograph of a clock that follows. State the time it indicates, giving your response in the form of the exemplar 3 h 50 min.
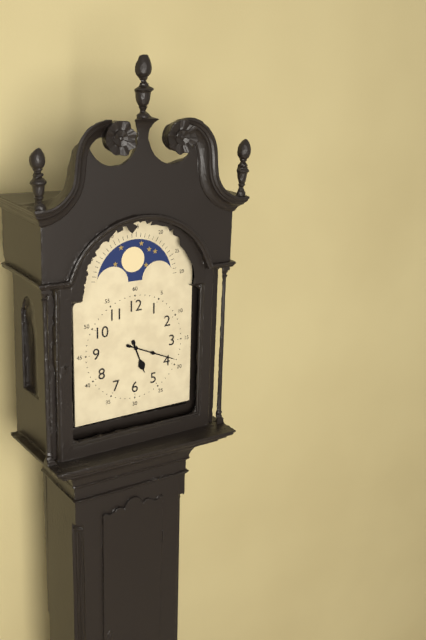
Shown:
5 h 19 min
